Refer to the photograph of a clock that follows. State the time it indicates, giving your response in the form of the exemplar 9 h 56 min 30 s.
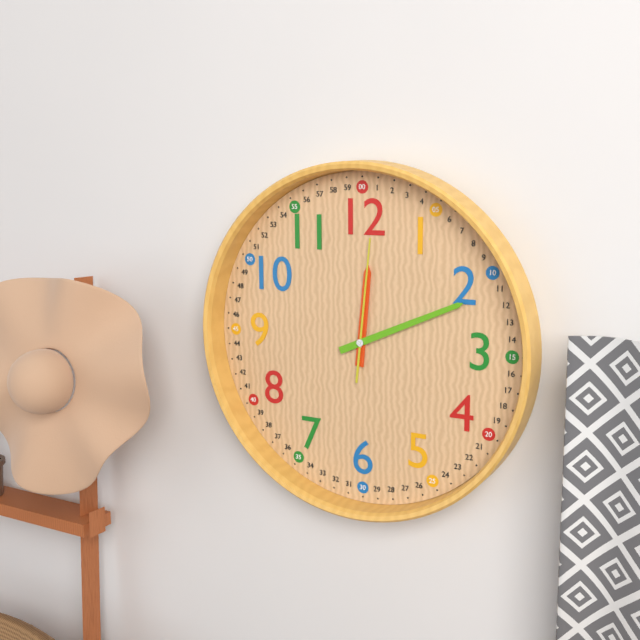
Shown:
12 h 11 min 01 s
